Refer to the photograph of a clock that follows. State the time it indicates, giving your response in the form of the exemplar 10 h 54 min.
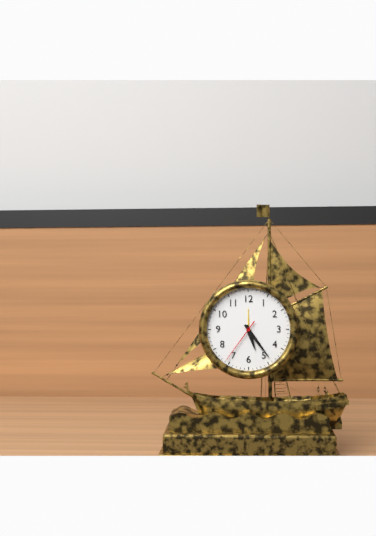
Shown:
5 h 24 min
